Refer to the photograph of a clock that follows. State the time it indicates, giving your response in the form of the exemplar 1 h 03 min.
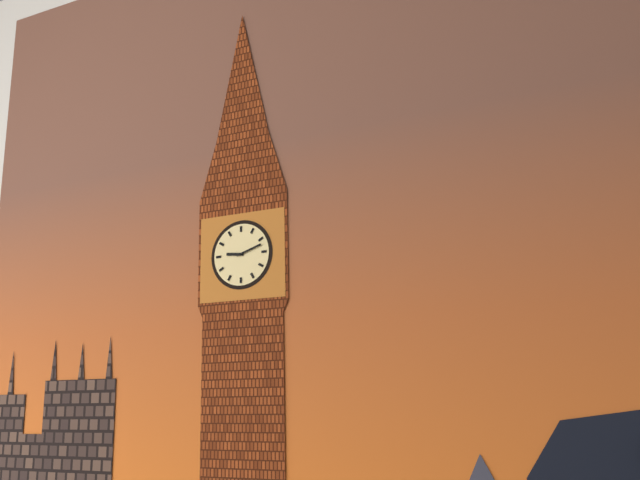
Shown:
9 h 12 min
